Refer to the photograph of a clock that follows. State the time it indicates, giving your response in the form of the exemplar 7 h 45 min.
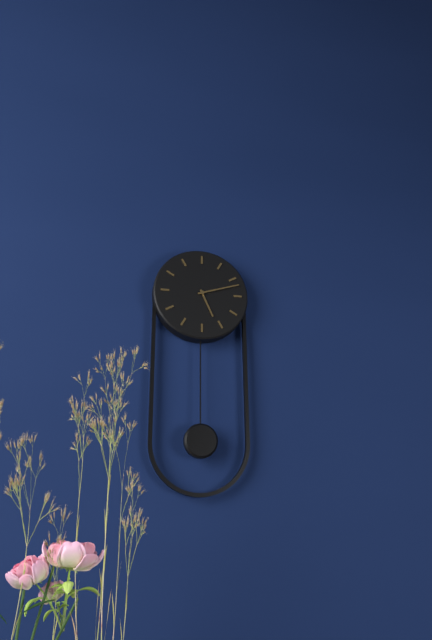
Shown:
5 h 12 min
